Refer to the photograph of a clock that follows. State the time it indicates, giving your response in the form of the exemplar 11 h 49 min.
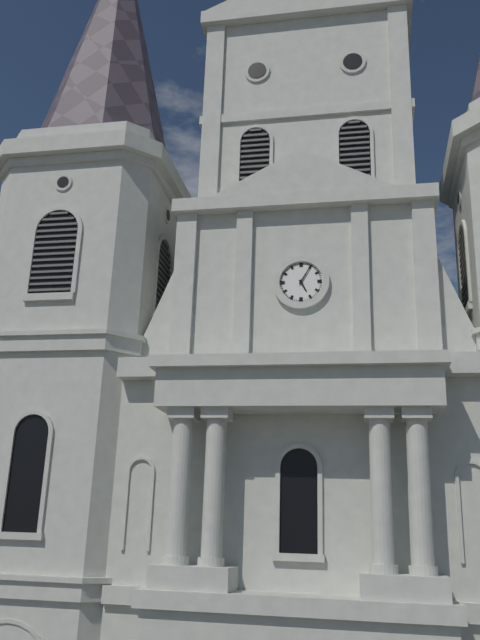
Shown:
5 h 05 min
